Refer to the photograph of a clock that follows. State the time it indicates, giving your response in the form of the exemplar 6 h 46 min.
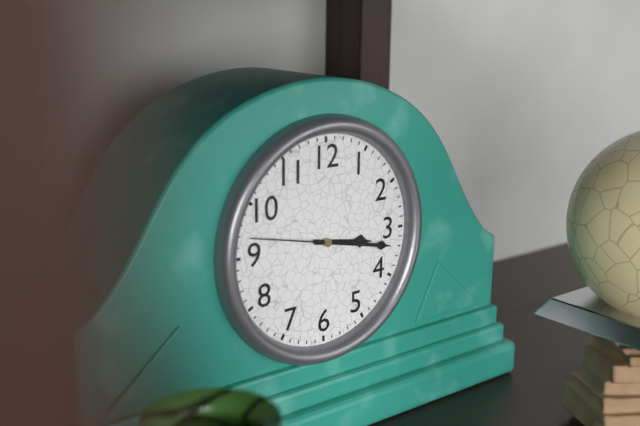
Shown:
3 h 17 min
